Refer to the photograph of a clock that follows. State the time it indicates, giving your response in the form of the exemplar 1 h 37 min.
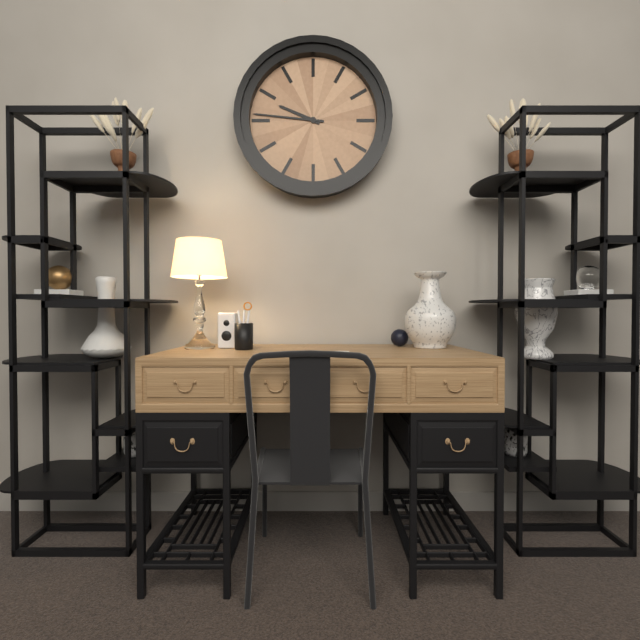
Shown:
9 h 46 min
